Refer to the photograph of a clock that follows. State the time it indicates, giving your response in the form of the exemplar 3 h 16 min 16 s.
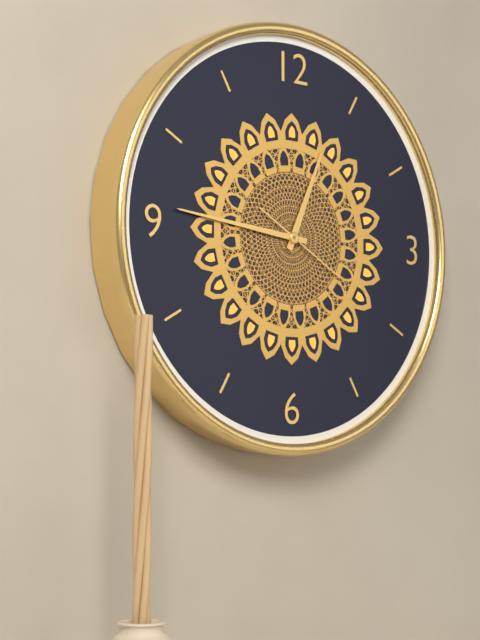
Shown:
12 h 46 min 20 s
